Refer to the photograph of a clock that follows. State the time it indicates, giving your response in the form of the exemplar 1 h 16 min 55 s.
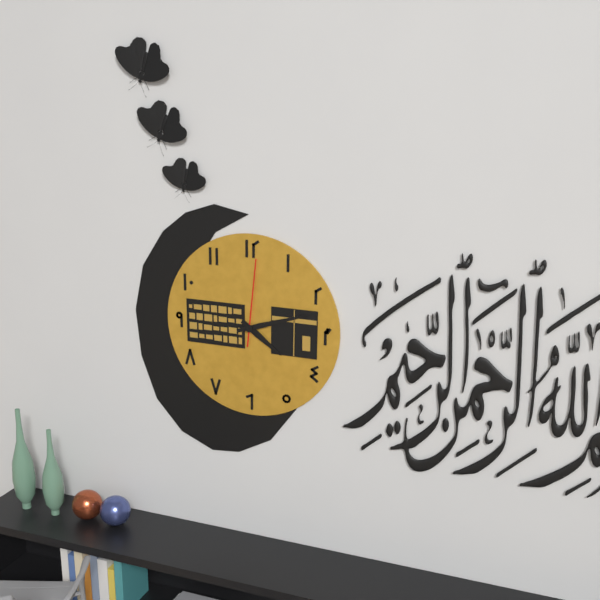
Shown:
4 h 12 min 01 s
